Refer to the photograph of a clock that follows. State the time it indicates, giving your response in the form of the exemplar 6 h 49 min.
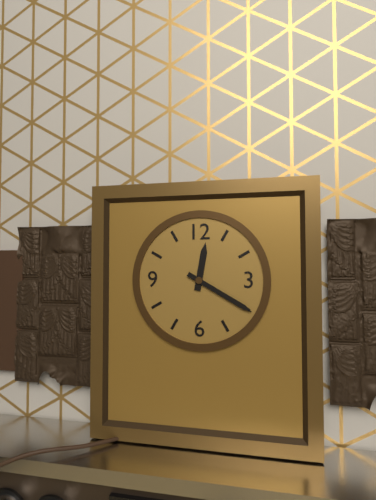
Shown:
12 h 20 min
